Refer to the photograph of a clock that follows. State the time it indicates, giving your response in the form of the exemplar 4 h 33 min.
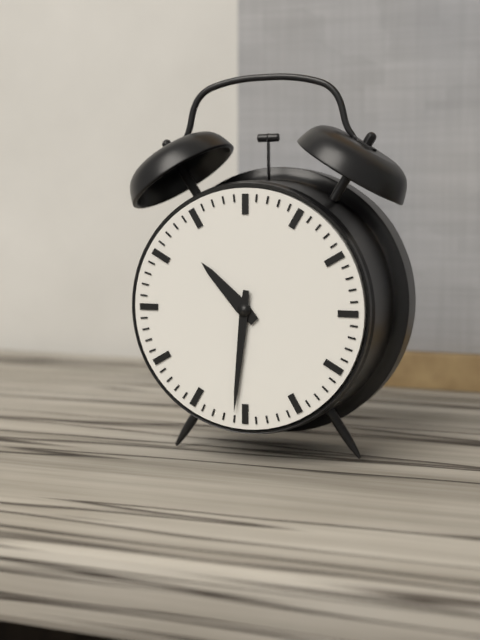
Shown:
10 h 31 min
